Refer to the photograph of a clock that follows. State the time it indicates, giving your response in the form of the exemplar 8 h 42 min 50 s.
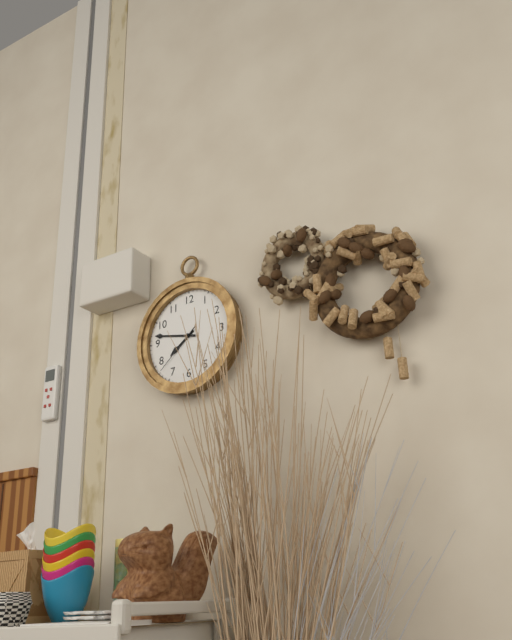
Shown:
7 h 47 min 38 s
